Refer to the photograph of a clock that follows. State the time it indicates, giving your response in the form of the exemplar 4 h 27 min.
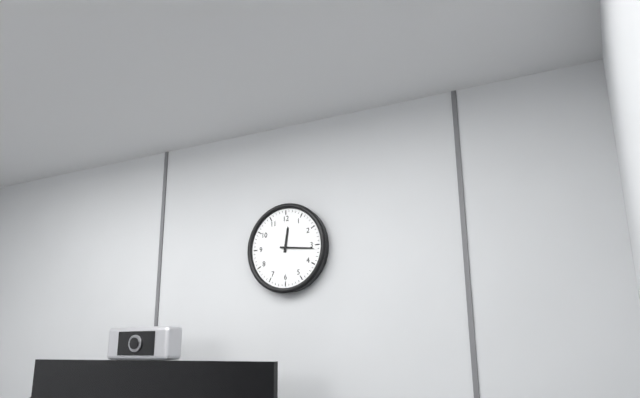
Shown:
12 h 16 min
